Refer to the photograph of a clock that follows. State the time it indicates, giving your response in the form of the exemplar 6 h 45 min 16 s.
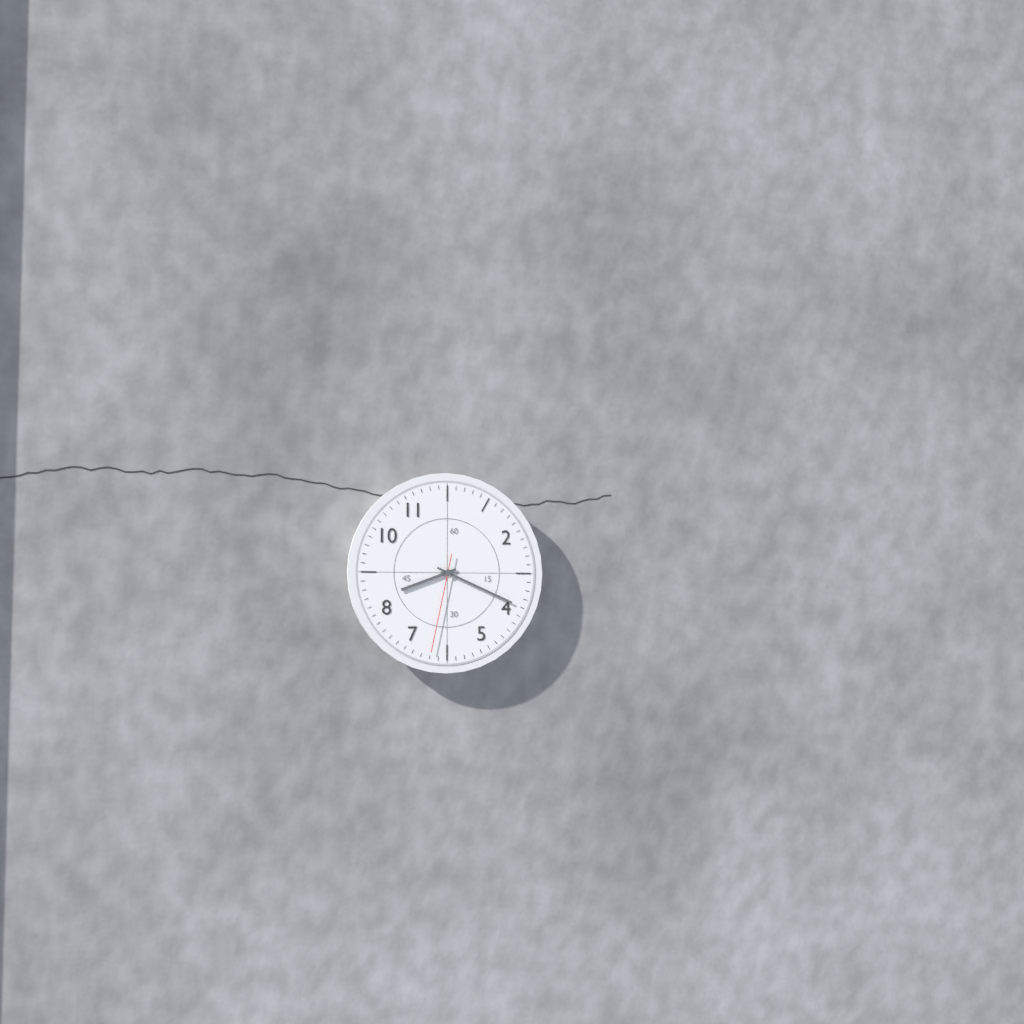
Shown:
8 h 19 min 32 s
